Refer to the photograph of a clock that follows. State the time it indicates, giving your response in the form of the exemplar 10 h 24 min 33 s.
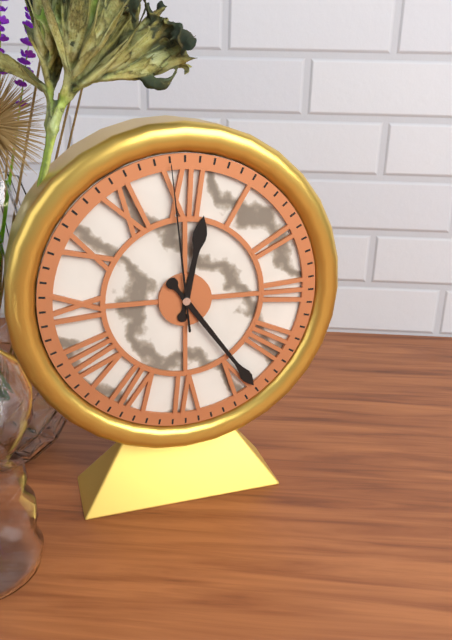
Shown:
12 h 24 min 59 s
